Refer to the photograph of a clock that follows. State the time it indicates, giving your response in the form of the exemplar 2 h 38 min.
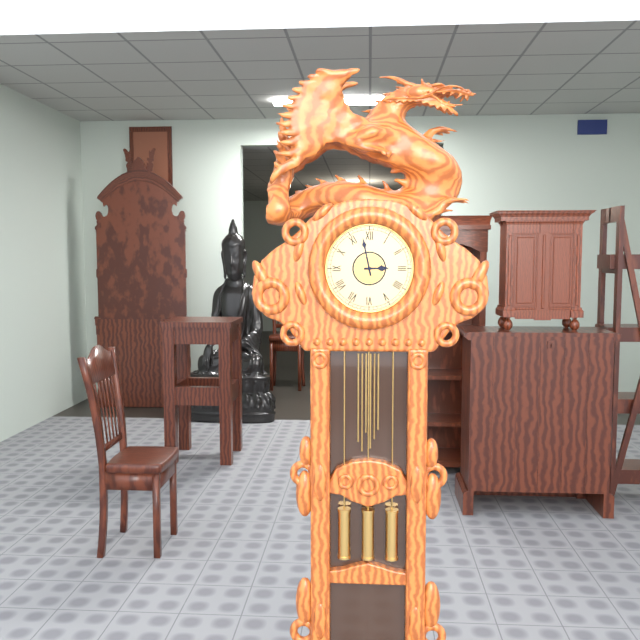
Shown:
2 h 58 min
